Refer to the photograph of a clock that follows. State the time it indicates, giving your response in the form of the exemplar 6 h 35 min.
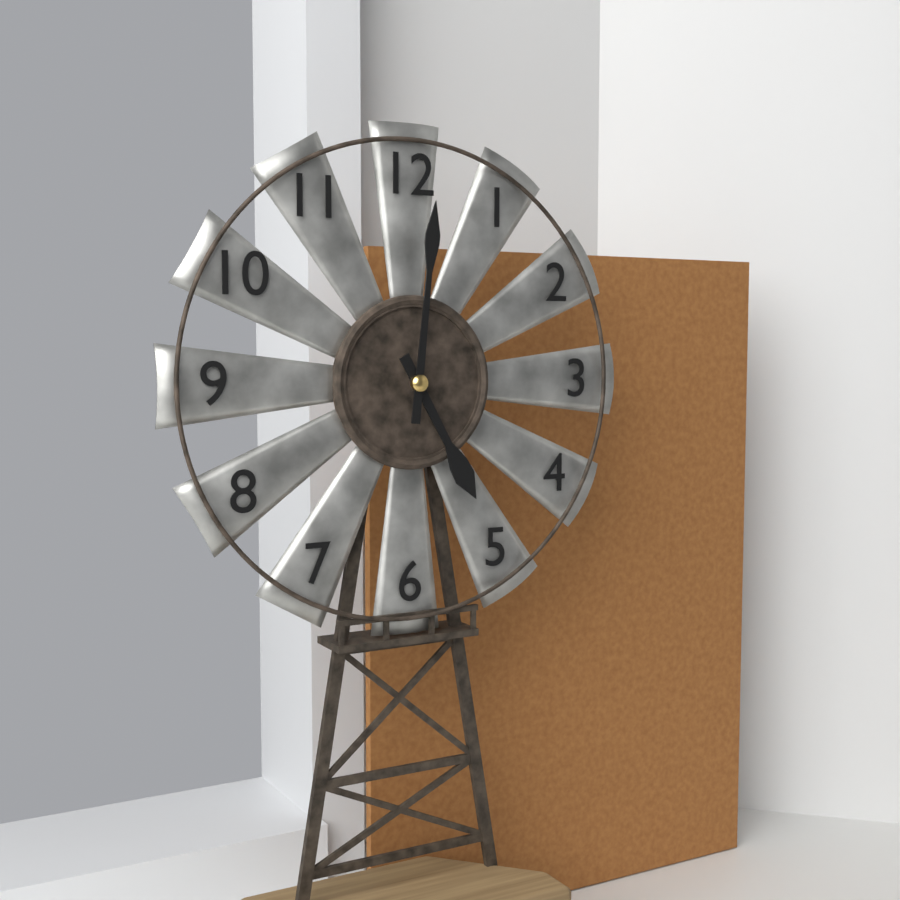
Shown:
5 h 01 min
